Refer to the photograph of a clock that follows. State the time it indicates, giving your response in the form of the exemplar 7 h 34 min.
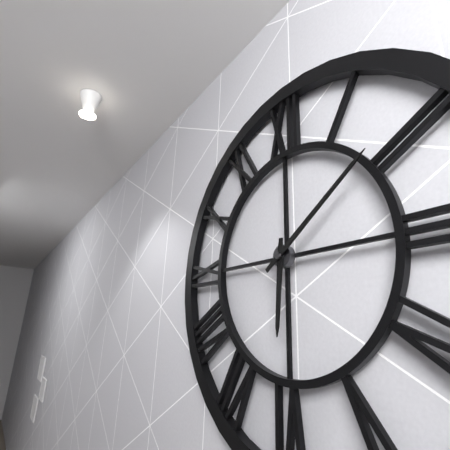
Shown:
6 h 09 min
